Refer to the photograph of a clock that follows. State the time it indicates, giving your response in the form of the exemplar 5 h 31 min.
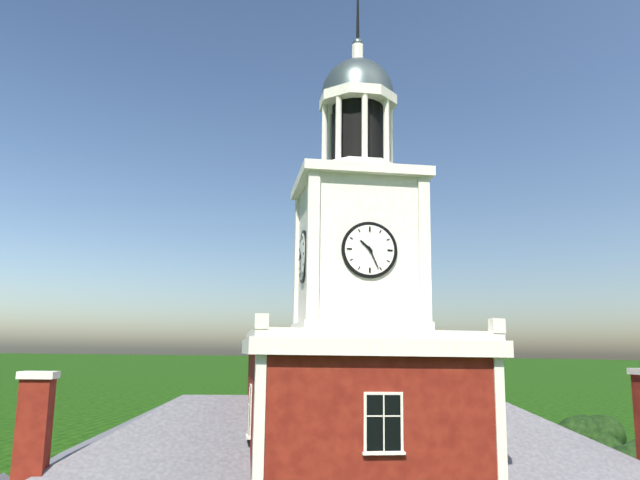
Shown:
10 h 26 min
